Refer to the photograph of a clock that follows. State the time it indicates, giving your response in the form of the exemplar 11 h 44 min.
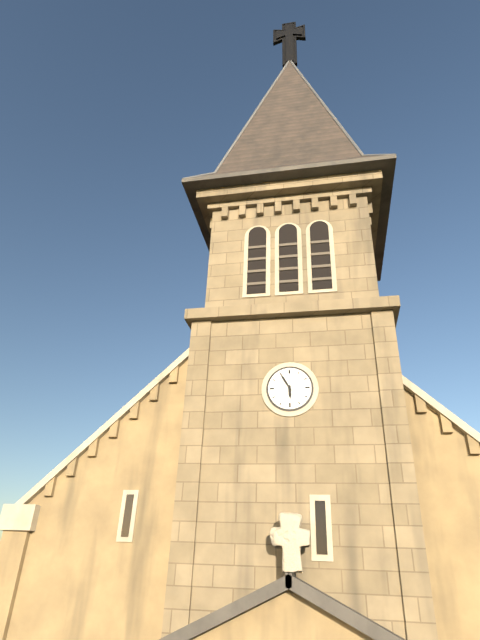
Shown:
5 h 55 min
